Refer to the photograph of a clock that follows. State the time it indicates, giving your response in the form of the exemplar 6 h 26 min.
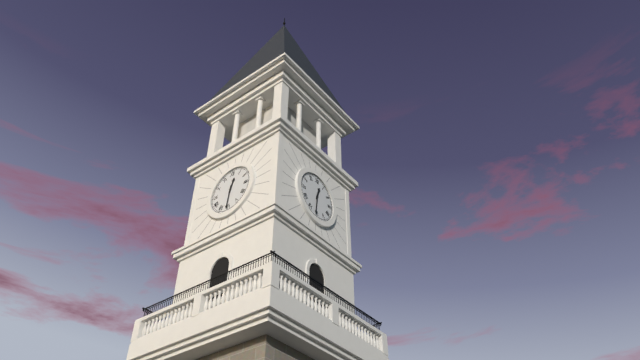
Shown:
12 h 31 min
